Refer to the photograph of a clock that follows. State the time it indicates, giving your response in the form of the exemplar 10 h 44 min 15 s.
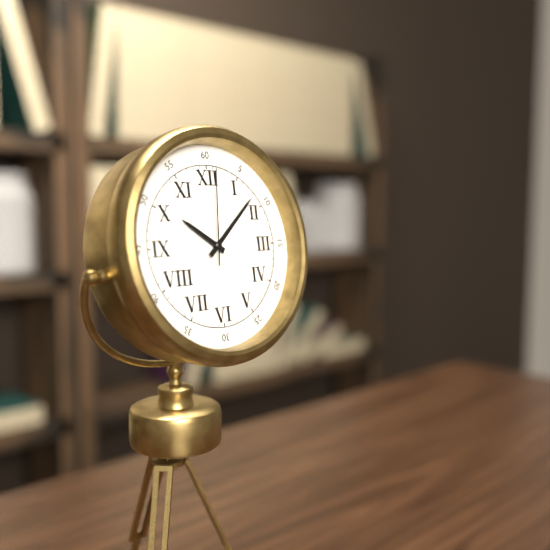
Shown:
10 h 08 min 01 s
